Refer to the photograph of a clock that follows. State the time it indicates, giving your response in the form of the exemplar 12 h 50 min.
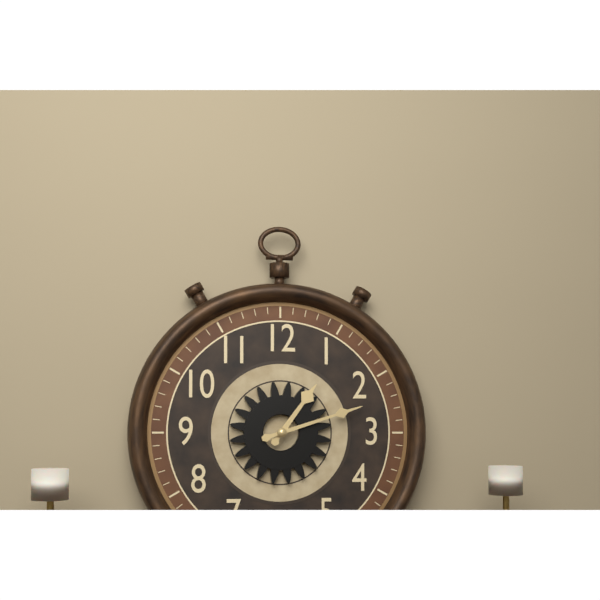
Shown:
1 h 12 min
